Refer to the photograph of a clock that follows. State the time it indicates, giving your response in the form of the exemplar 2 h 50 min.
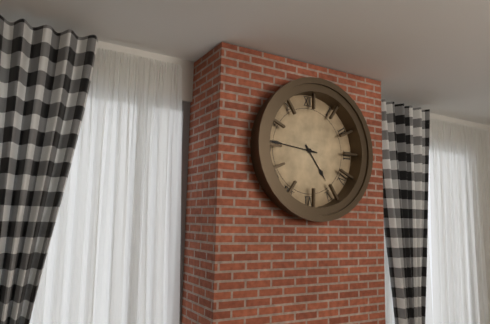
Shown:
4 h 46 min
